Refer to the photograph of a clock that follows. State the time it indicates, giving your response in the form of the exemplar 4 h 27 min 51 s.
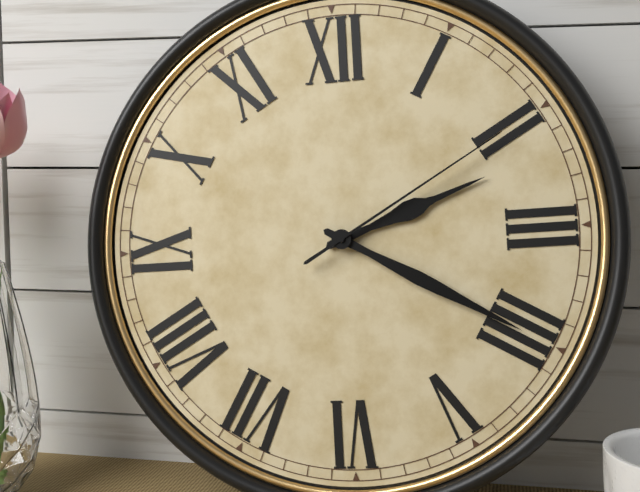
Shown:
2 h 20 min 10 s
